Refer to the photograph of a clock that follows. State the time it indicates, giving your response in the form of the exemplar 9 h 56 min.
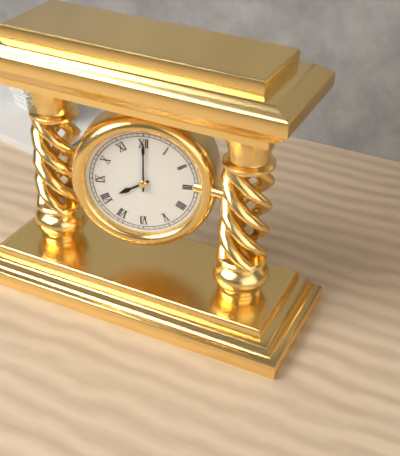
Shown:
8 h 00 min
